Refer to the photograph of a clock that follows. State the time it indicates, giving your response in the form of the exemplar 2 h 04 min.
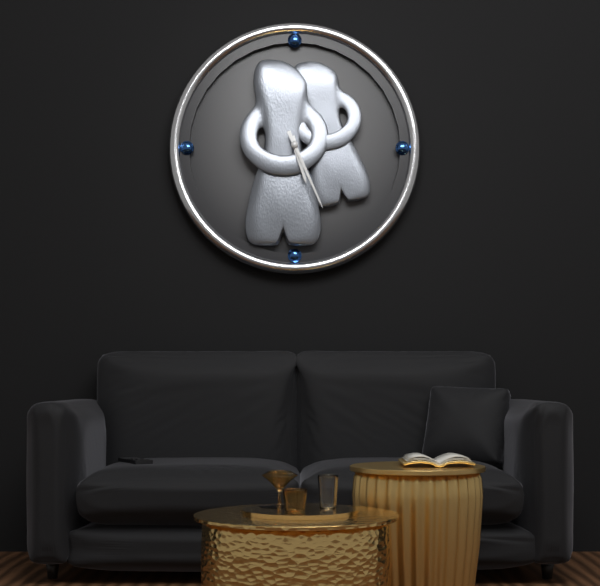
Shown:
5 h 26 min
